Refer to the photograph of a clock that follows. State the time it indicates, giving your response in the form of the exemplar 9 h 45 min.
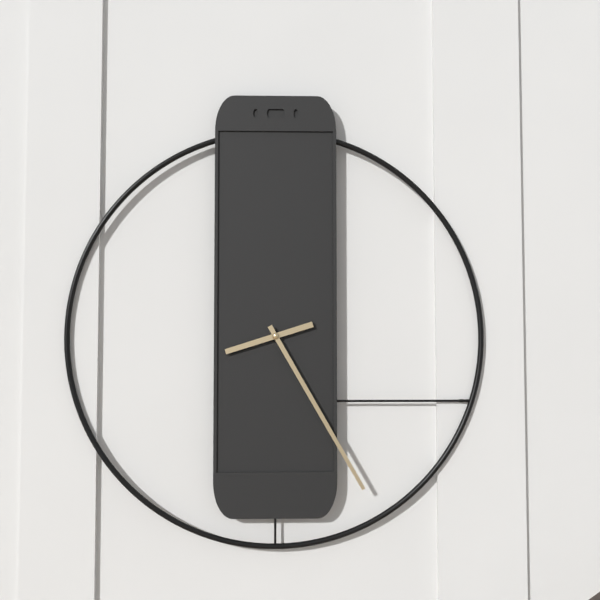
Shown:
8 h 25 min
